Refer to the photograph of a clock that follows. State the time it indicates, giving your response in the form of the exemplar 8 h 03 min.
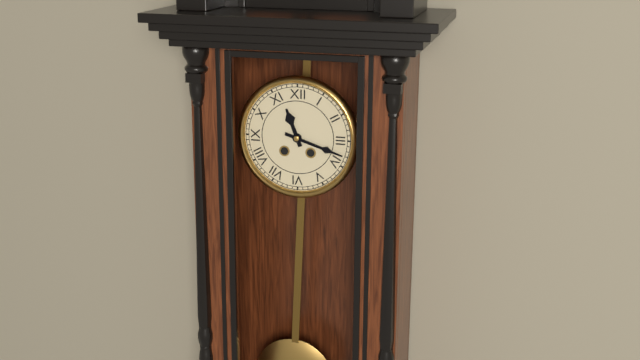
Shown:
11 h 18 min
